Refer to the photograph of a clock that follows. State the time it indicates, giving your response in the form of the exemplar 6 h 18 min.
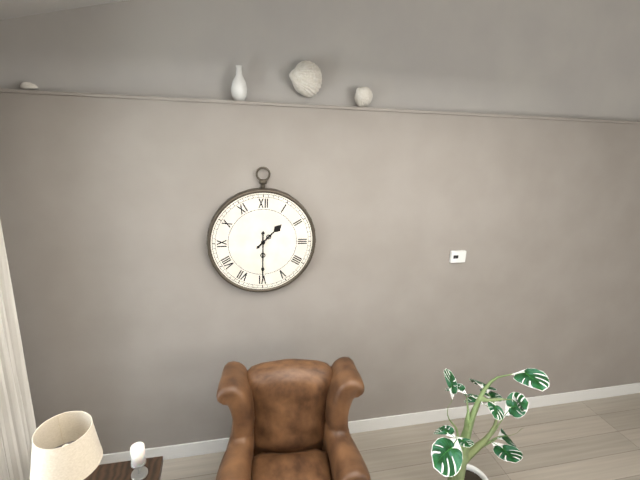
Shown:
1 h 30 min
